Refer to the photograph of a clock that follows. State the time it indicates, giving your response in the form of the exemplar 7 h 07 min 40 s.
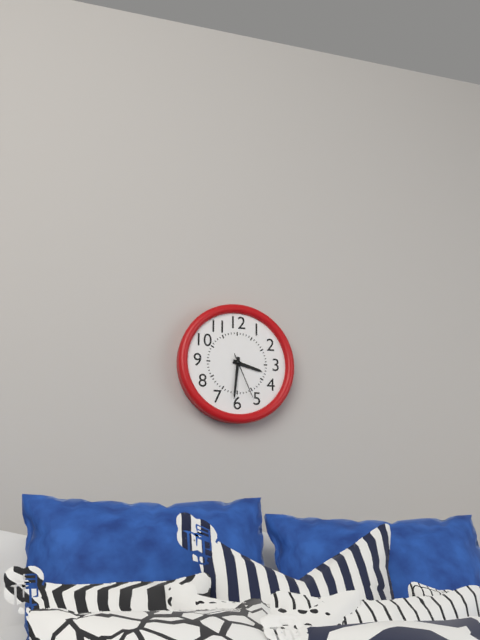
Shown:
3 h 31 min 26 s
